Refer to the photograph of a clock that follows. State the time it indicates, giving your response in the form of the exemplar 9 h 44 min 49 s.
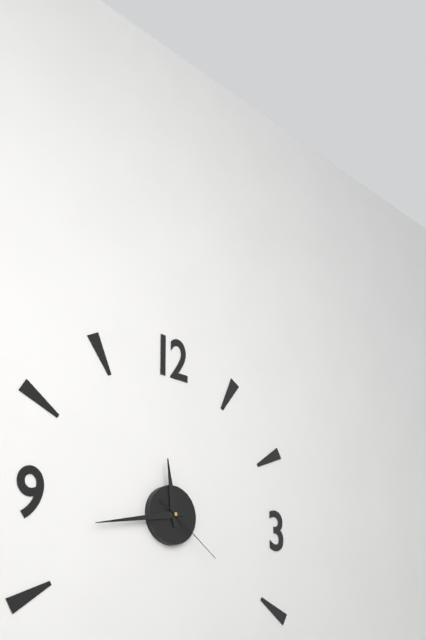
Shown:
11 h 43 min 21 s
